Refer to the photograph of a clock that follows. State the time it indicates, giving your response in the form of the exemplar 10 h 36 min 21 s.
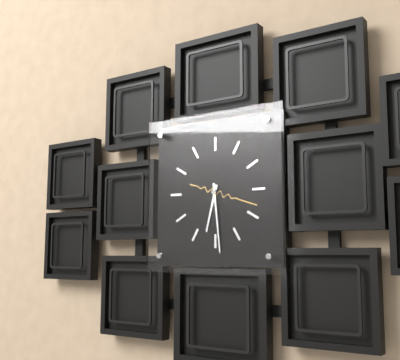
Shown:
6 h 29 min 18 s
